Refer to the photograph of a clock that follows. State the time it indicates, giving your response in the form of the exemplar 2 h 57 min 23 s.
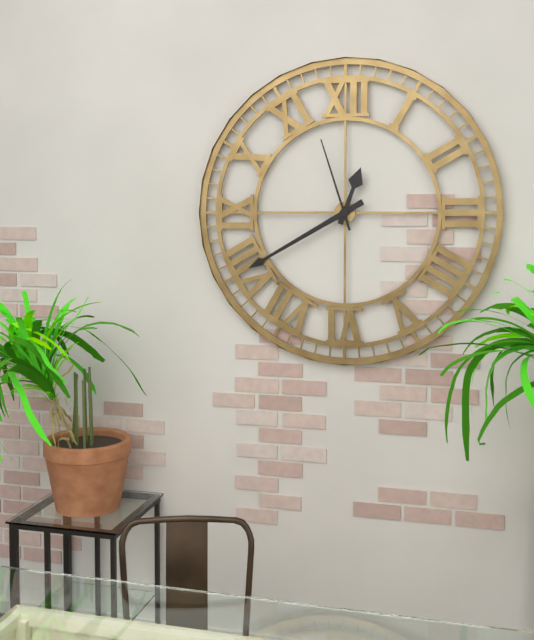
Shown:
12 h 40 min 57 s
